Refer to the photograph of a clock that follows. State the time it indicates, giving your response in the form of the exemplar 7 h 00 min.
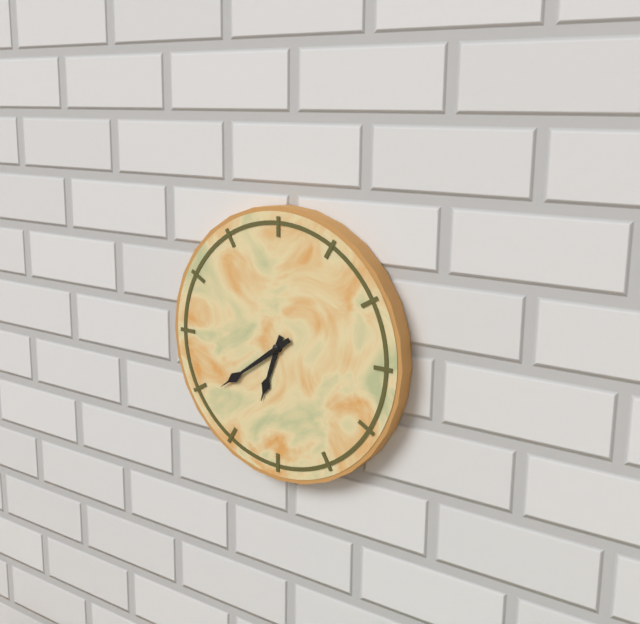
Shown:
6 h 39 min
